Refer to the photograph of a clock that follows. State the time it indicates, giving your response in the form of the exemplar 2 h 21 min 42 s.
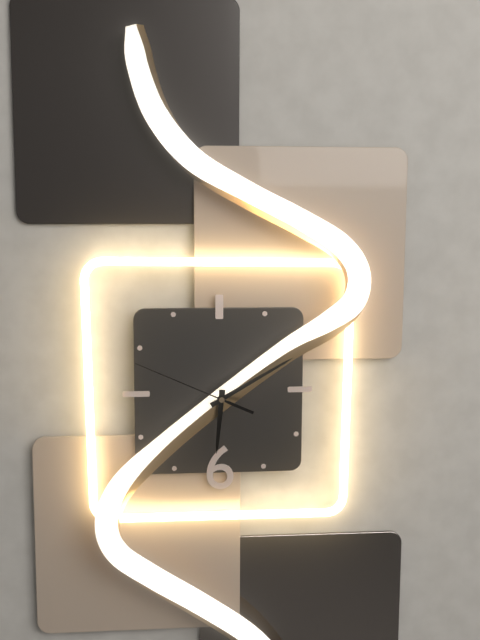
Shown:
6 h 10 min 49 s
